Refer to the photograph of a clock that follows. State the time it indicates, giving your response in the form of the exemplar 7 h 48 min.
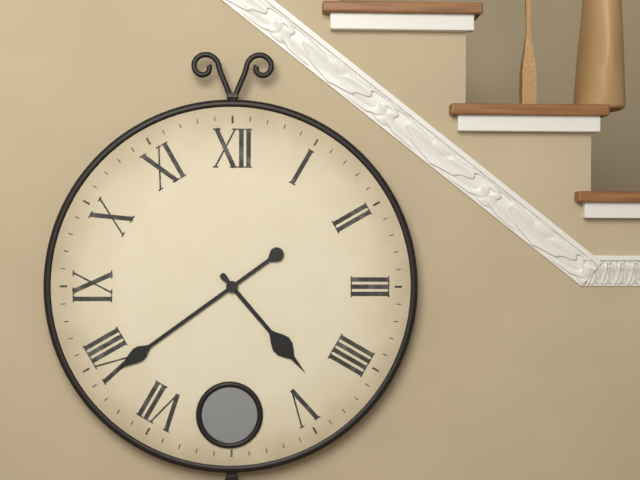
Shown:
4 h 39 min
